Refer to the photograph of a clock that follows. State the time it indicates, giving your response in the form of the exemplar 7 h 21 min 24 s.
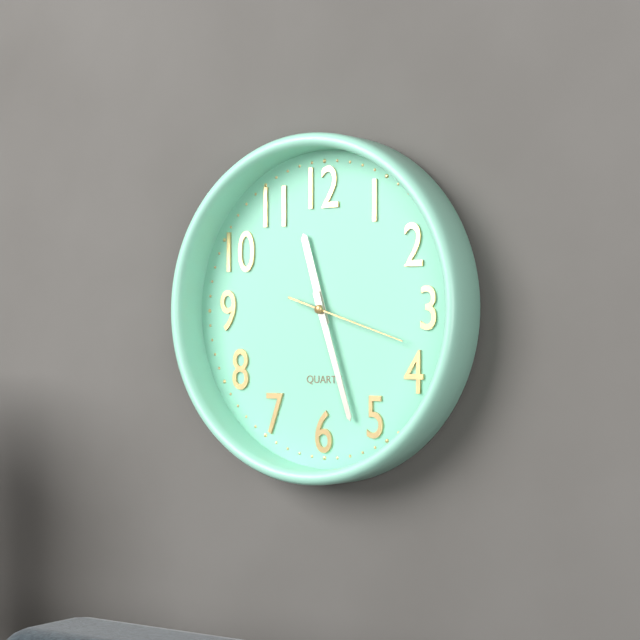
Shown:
11 h 27 min 18 s
